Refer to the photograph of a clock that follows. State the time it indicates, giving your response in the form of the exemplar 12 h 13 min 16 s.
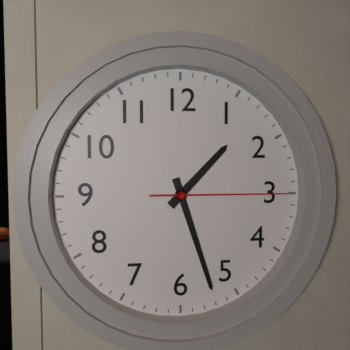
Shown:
1 h 27 min 15 s
